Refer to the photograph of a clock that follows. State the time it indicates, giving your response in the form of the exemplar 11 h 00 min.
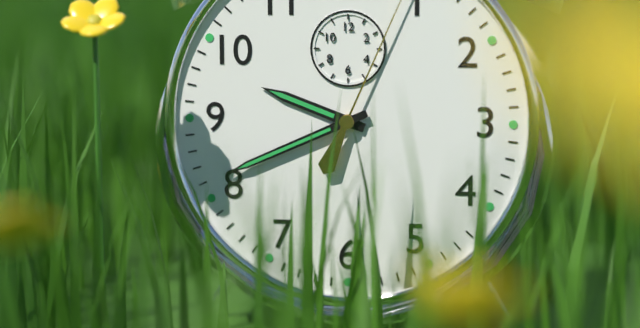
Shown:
9 h 41 min
